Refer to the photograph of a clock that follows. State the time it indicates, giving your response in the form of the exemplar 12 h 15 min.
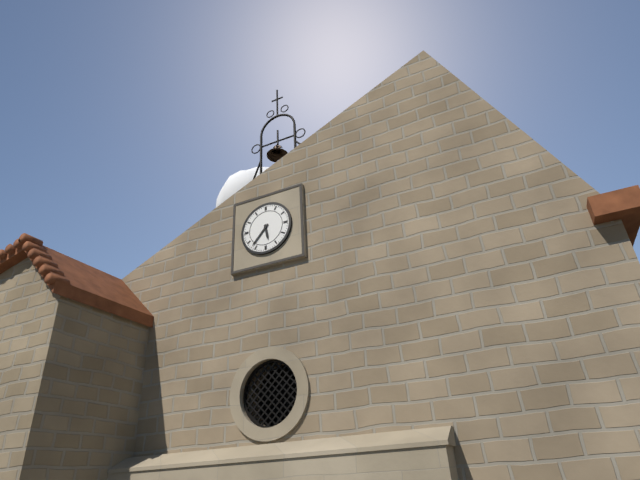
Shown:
5 h 37 min
